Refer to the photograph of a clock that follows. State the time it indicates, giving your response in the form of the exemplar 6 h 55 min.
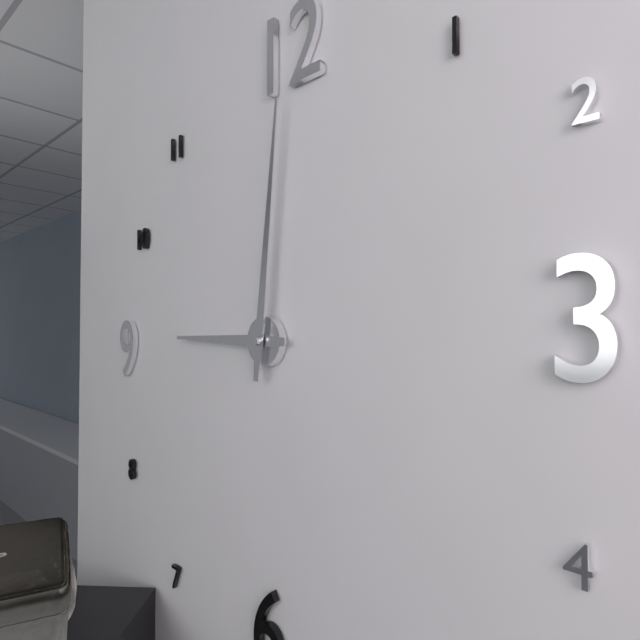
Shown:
9 h 01 min
